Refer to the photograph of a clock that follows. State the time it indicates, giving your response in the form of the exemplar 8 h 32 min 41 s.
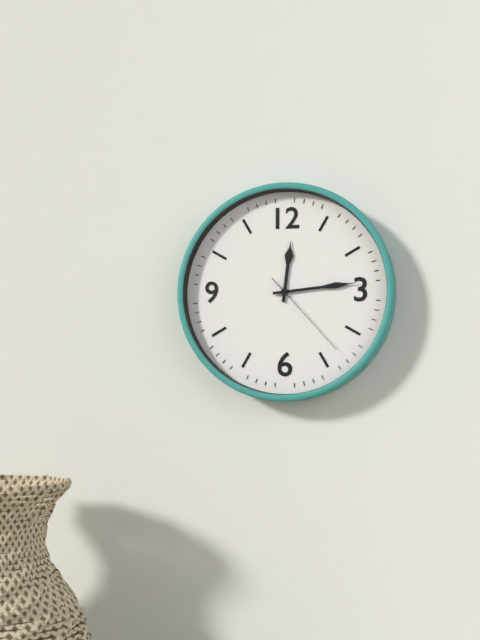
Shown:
12 h 14 min 23 s
